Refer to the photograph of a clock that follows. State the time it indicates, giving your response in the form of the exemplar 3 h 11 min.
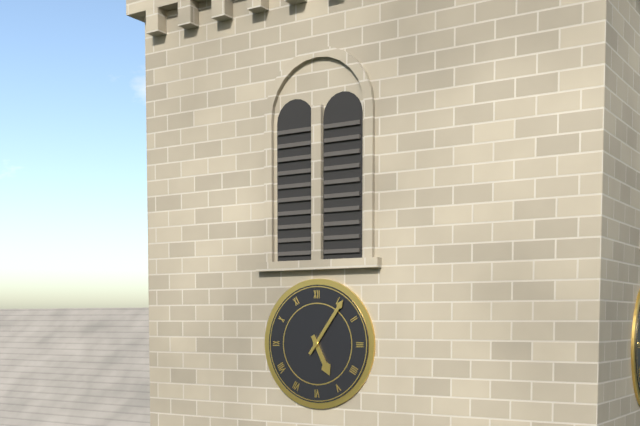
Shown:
5 h 06 min
